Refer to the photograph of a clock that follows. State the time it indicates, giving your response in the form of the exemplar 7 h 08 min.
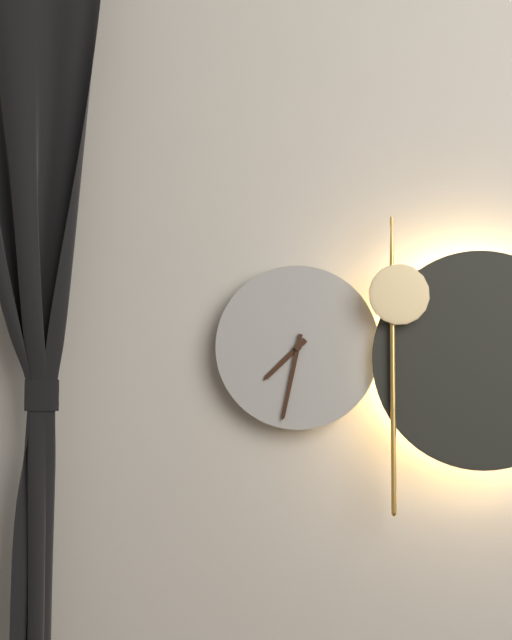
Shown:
7 h 32 min
